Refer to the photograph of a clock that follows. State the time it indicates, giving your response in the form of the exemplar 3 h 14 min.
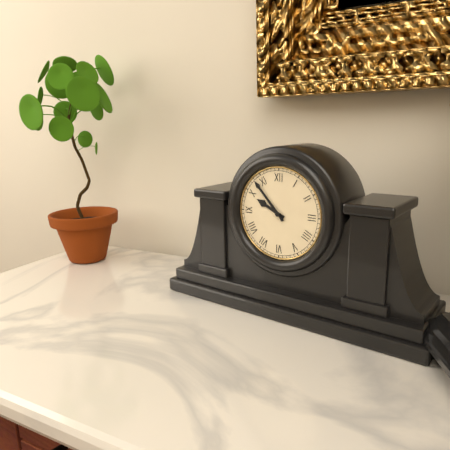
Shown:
9 h 53 min
